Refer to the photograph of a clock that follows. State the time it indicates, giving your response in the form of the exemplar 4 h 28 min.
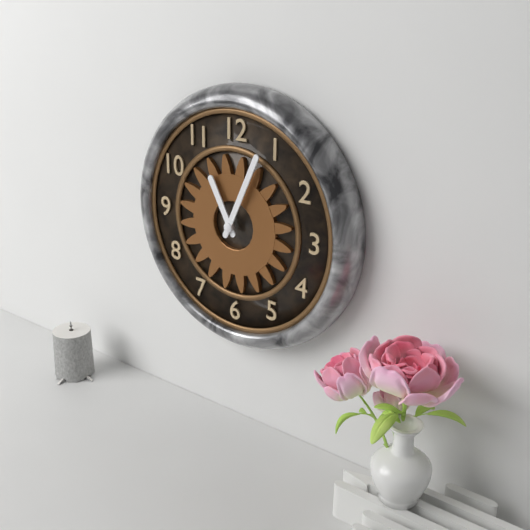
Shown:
11 h 04 min
